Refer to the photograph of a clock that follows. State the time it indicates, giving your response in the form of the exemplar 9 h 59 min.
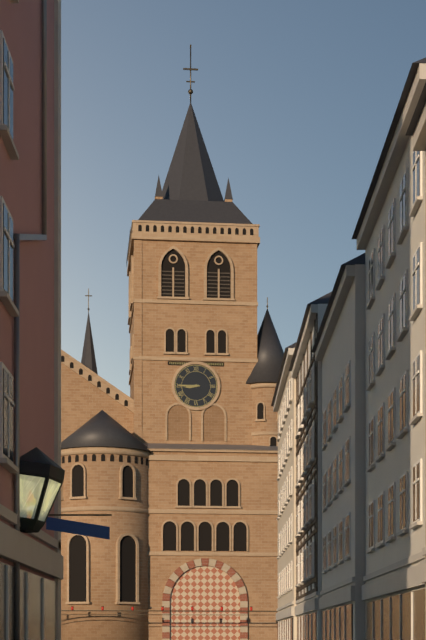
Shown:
8 h 45 min
